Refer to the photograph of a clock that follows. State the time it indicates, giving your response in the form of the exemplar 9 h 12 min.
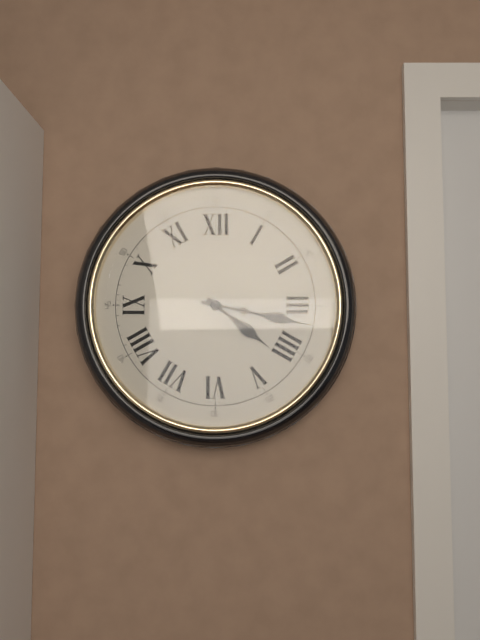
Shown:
4 h 17 min
